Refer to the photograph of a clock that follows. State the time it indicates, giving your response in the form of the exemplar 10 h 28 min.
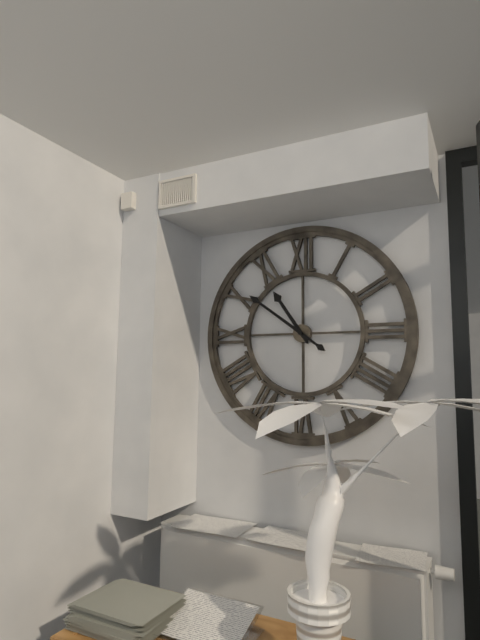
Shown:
10 h 51 min
